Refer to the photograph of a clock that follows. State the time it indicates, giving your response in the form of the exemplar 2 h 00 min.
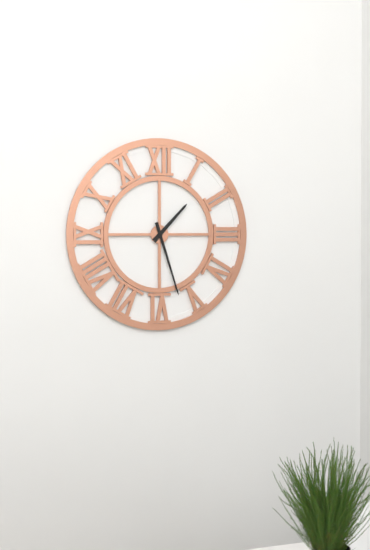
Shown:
1 h 27 min
